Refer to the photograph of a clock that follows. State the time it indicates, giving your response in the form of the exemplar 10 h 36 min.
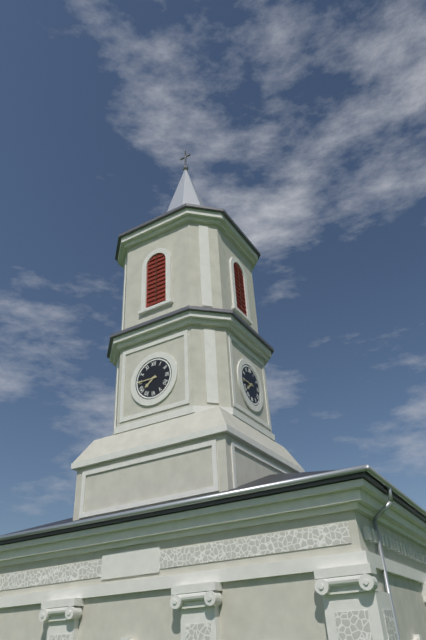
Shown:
7 h 45 min
